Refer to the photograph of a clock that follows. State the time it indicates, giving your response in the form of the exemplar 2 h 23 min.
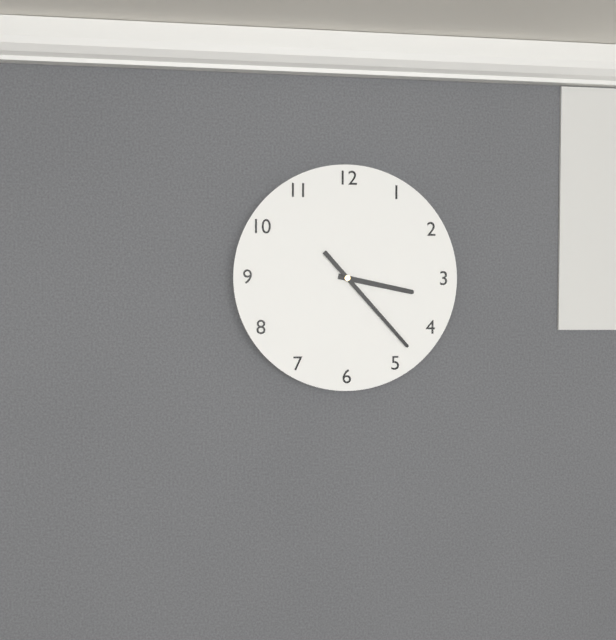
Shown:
3 h 23 min
